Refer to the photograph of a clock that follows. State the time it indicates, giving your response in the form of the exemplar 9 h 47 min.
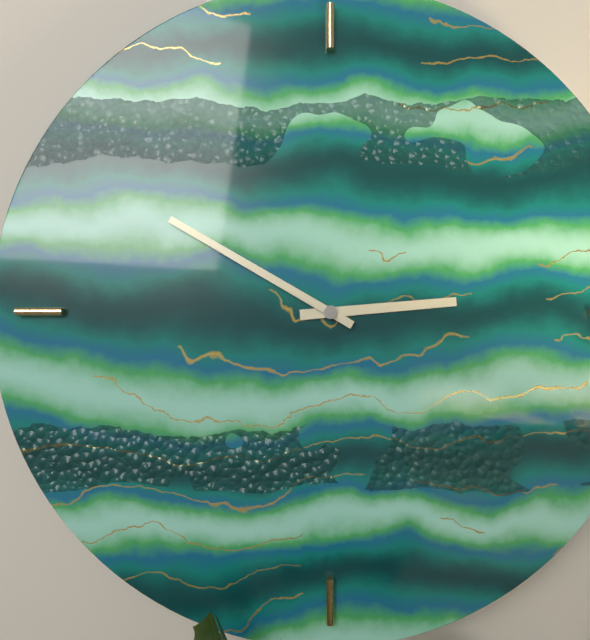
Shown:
2 h 50 min
